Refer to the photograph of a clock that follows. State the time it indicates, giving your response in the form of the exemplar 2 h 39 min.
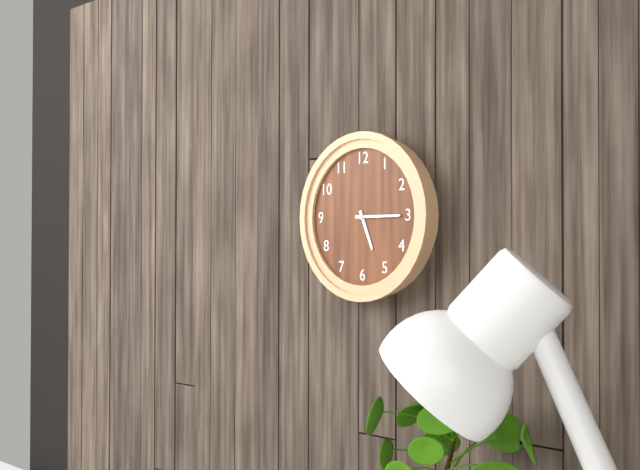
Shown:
5 h 15 min
